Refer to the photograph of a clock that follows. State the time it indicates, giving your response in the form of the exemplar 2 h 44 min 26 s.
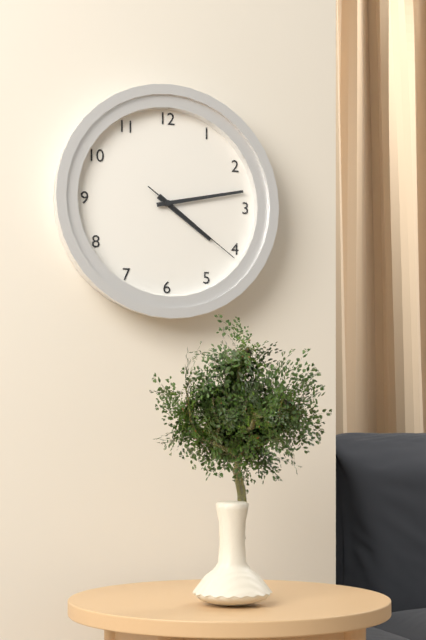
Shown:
4 h 13 min 21 s
